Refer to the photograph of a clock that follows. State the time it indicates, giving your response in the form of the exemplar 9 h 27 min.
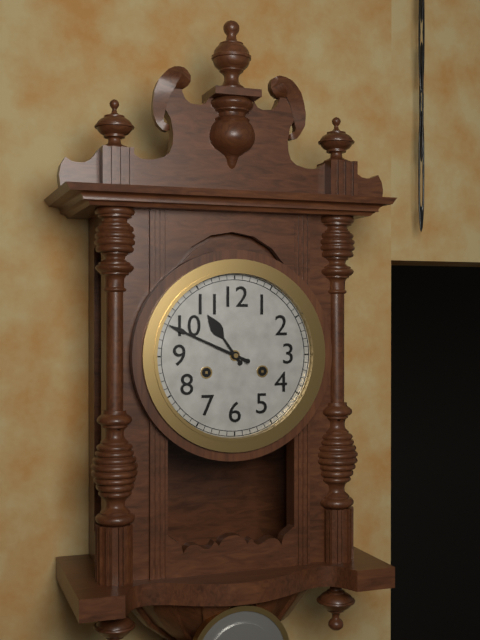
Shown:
10 h 49 min
